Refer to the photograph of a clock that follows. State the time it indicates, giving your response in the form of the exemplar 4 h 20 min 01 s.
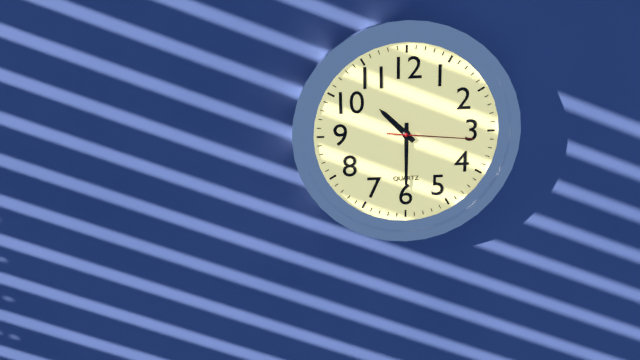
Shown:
10 h 30 min 16 s
